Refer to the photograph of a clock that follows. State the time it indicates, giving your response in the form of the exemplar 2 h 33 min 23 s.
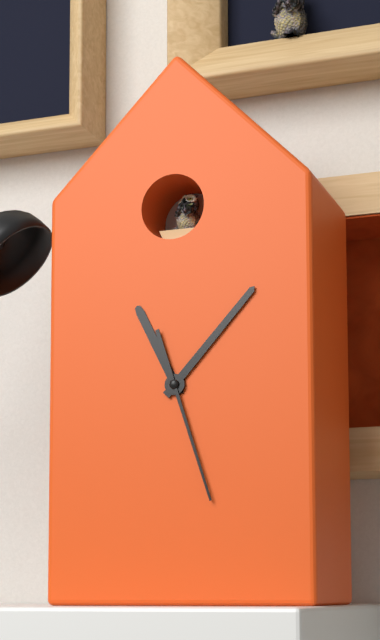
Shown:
11 h 07 min 27 s
